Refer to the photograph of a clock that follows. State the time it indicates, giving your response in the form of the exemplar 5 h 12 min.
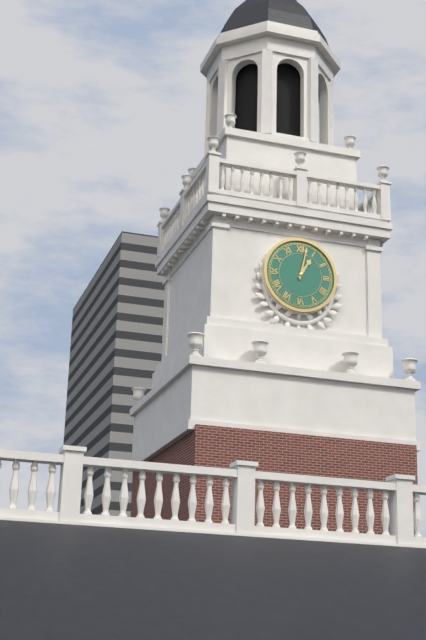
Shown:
1 h 02 min
